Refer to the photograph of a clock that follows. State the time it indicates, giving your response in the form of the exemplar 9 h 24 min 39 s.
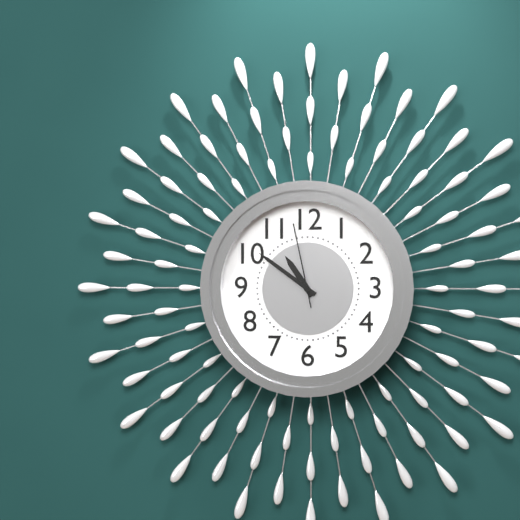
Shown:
10 h 51 min 58 s
